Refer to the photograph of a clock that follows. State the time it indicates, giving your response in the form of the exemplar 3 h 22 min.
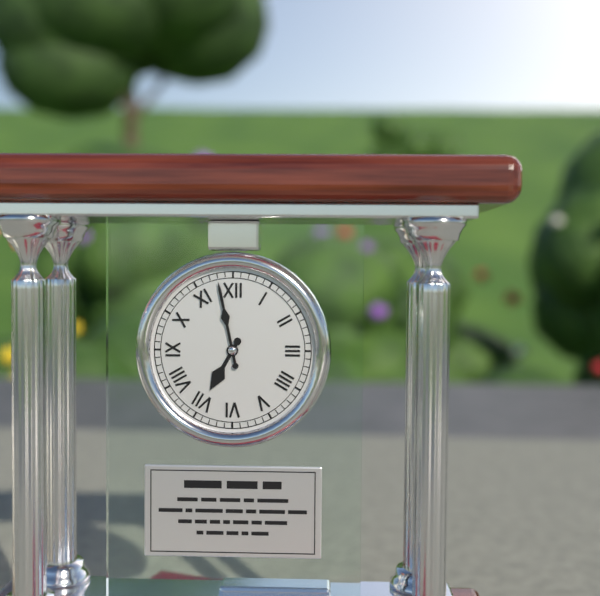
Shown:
6 h 58 min
